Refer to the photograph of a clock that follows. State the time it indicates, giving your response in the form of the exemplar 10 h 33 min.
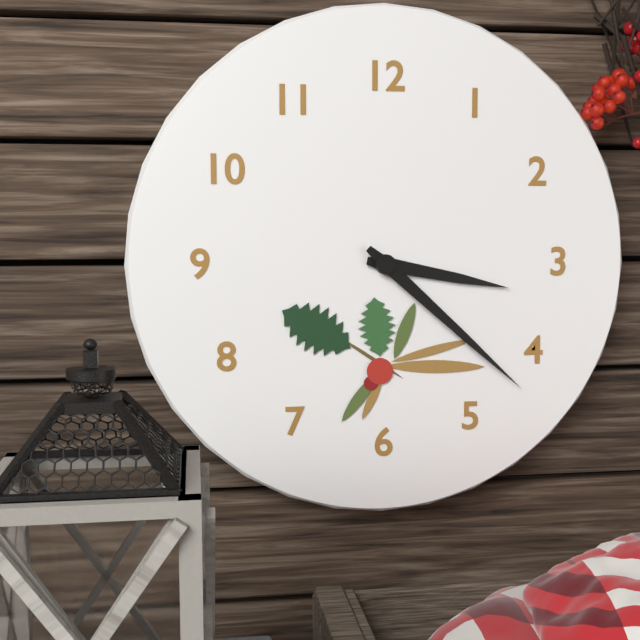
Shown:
3 h 22 min
